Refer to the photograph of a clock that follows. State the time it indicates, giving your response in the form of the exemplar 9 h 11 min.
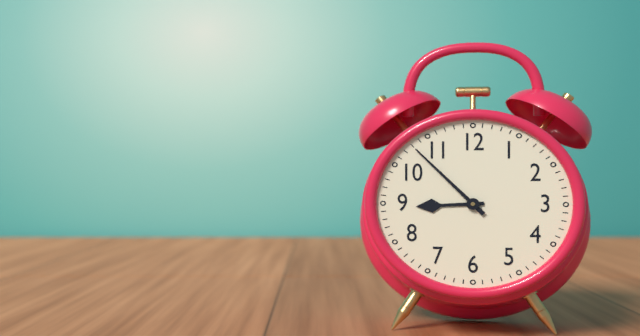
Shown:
8 h 53 min
